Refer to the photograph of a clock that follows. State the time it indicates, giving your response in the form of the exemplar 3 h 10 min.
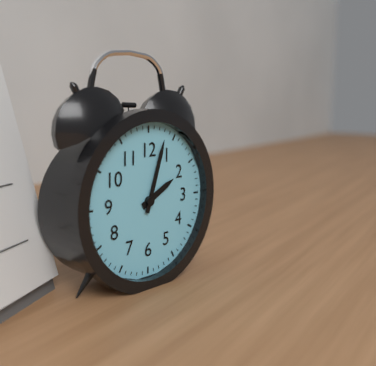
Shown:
2 h 03 min
